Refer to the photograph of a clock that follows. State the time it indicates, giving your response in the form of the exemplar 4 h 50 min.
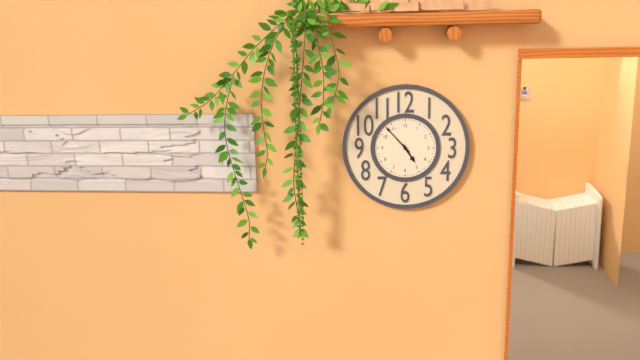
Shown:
4 h 53 min
